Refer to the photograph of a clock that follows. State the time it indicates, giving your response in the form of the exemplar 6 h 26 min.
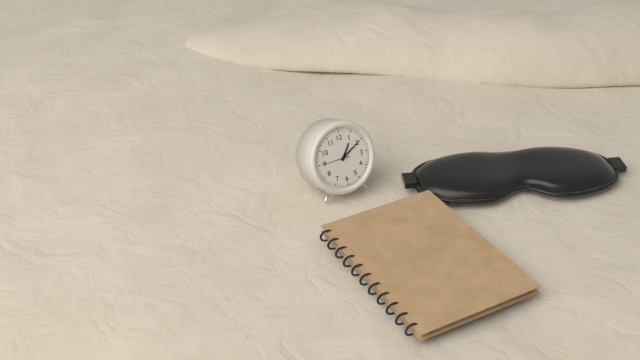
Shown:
1 h 10 min
